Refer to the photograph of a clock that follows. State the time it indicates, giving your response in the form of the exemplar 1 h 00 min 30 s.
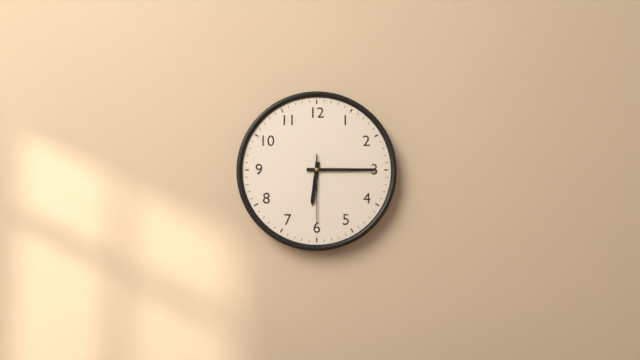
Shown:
6 h 15 min 30 s
